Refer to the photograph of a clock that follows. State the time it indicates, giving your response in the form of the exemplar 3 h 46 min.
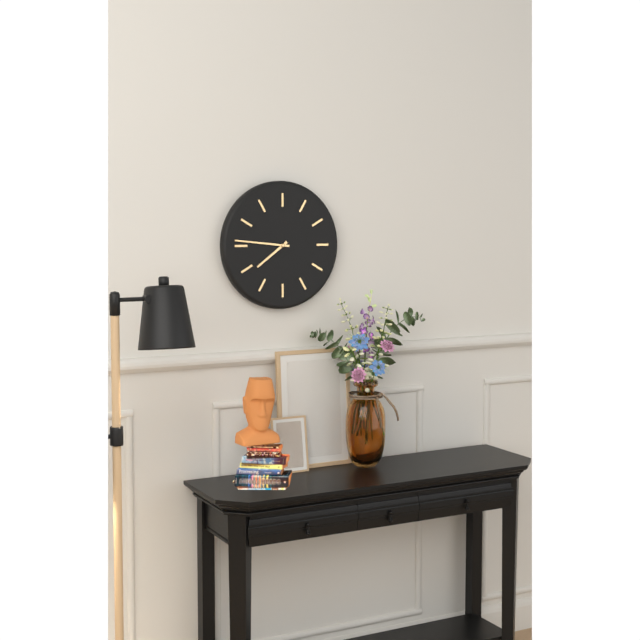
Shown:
7 h 46 min
